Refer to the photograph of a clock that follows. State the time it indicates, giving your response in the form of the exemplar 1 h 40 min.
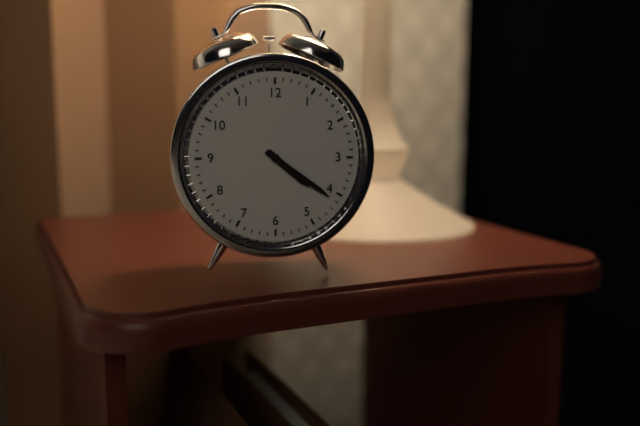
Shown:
4 h 21 min
